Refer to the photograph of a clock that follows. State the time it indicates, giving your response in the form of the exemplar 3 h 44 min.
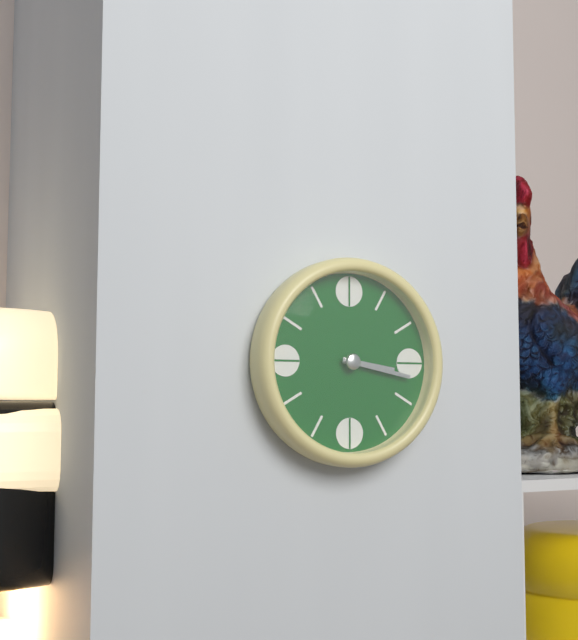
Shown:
3 h 17 min
